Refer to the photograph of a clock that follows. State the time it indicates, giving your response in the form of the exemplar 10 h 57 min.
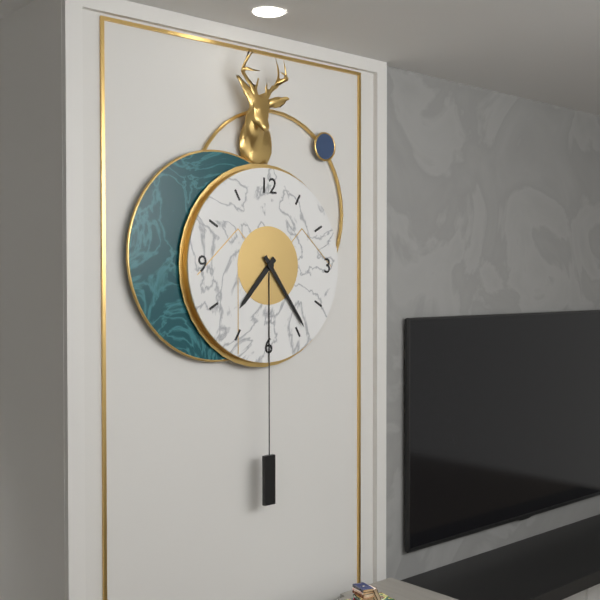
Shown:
7 h 24 min
